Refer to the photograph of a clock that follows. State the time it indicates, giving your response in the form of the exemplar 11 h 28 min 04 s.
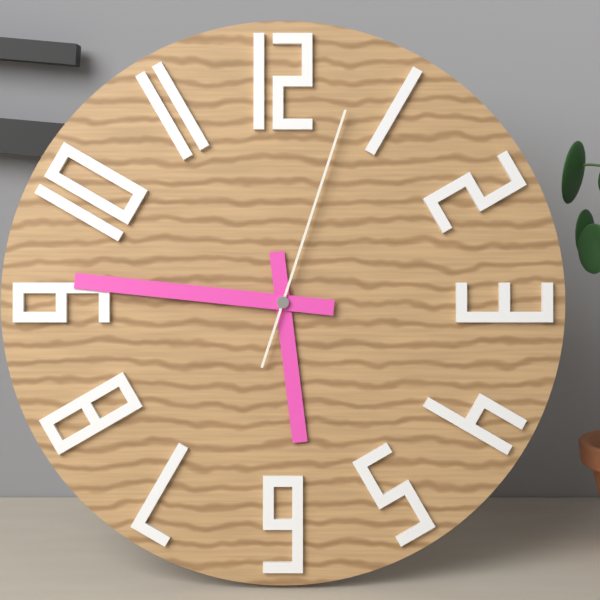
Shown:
5 h 46 min 03 s
